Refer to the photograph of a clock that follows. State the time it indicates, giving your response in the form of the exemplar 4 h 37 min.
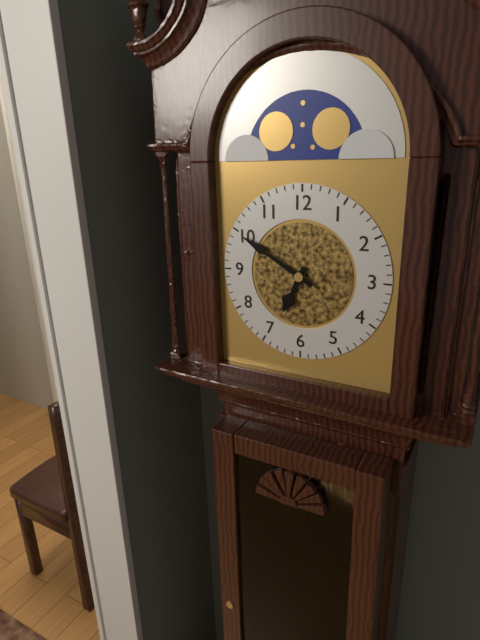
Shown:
6 h 50 min
